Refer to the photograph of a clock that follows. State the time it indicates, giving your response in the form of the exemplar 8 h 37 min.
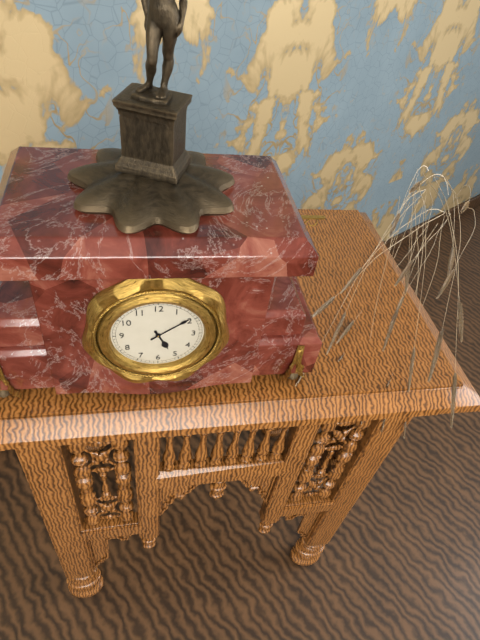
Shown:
5 h 09 min
